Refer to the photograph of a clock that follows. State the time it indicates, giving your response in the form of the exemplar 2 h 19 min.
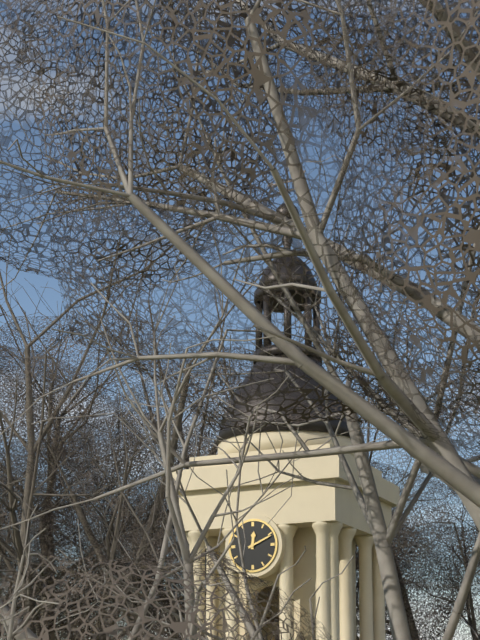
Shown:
12 h 11 min
